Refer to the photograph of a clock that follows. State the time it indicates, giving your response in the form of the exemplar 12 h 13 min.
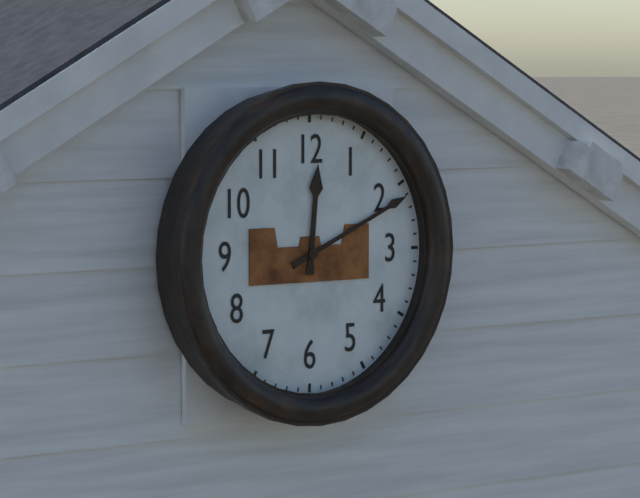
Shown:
12 h 11 min
